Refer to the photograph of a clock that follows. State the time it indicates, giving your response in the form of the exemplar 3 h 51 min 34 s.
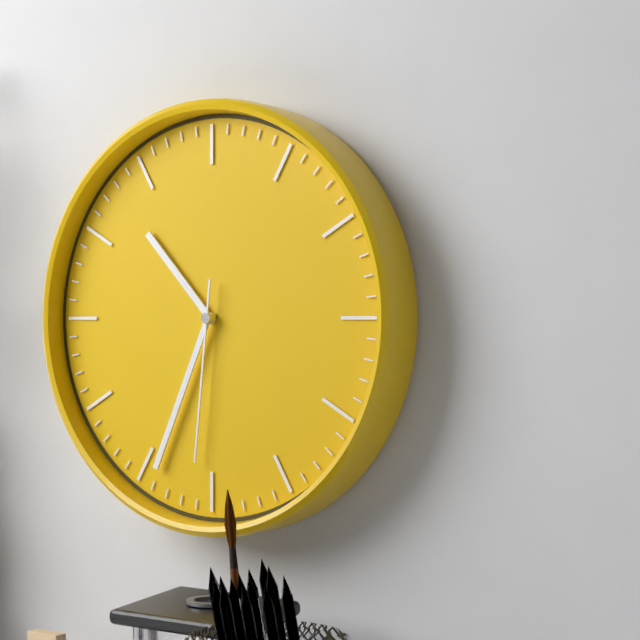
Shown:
10 h 34 min 31 s
